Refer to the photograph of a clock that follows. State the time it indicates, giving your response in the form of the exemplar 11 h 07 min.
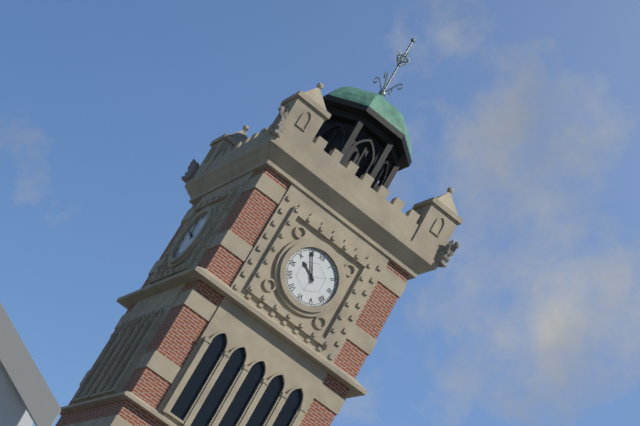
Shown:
9 h 55 min
